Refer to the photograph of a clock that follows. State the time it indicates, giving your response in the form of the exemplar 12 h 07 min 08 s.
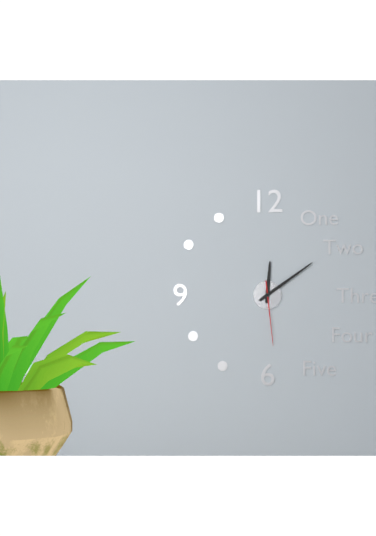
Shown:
12 h 09 min 29 s
